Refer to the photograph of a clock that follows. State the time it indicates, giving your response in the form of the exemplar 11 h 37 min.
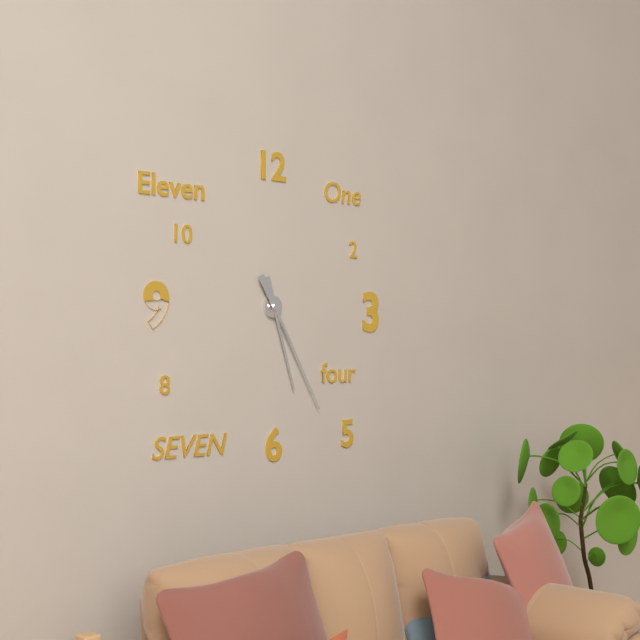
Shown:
5 h 25 min
